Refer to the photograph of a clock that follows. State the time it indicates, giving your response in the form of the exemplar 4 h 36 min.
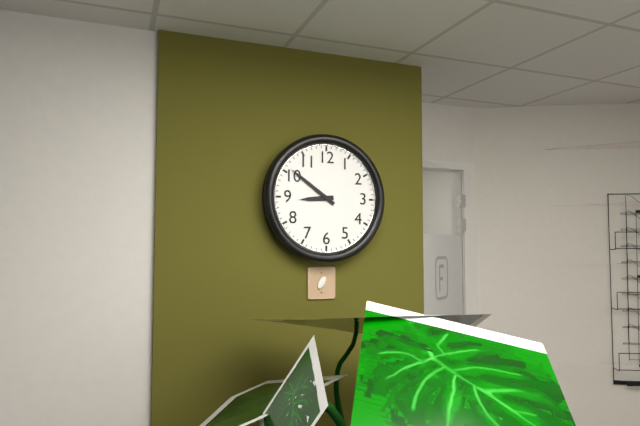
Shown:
8 h 51 min
